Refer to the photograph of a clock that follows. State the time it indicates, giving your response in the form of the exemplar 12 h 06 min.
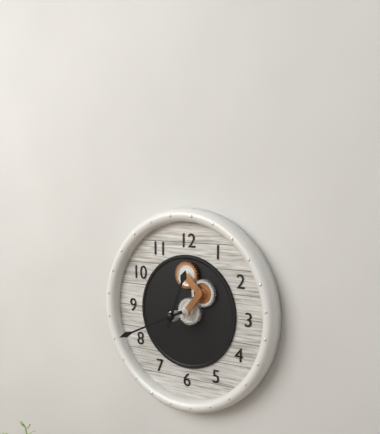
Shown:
12 h 41 min
